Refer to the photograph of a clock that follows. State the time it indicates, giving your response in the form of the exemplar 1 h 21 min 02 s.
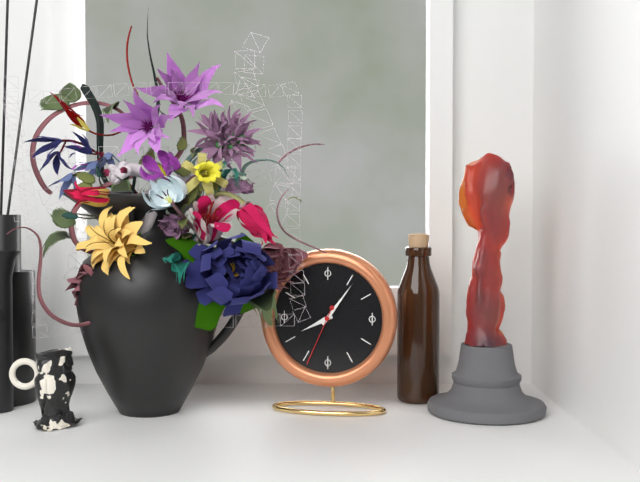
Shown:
8 h 06 min 34 s
